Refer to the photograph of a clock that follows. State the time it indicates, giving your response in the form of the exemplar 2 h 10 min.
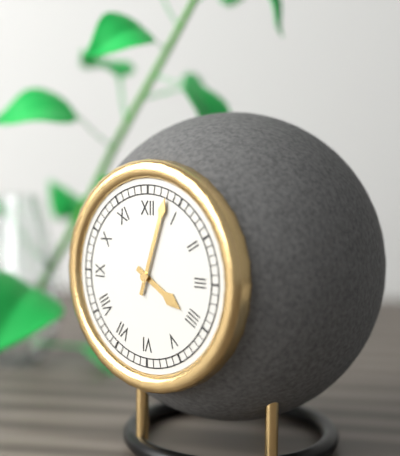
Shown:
4 h 03 min
